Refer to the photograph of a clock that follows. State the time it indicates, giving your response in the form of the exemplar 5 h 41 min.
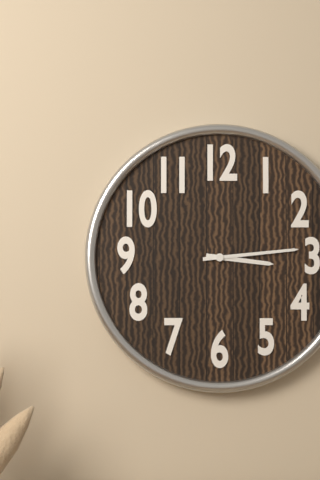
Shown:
3 h 14 min
